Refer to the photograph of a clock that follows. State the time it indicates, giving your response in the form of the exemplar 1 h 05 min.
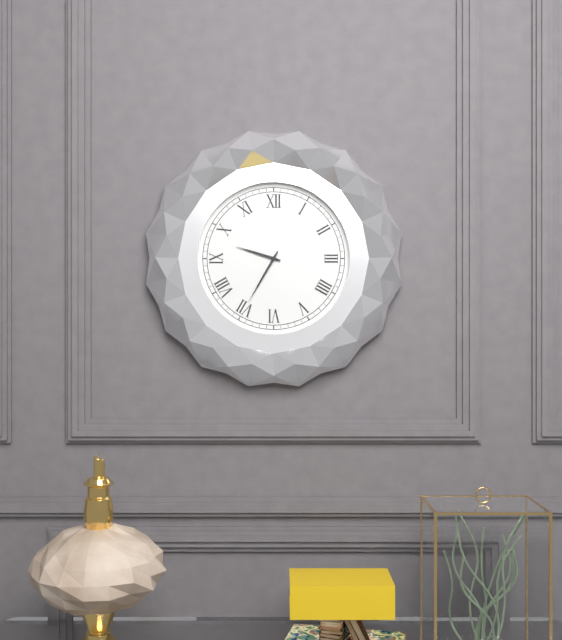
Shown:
9 h 35 min
